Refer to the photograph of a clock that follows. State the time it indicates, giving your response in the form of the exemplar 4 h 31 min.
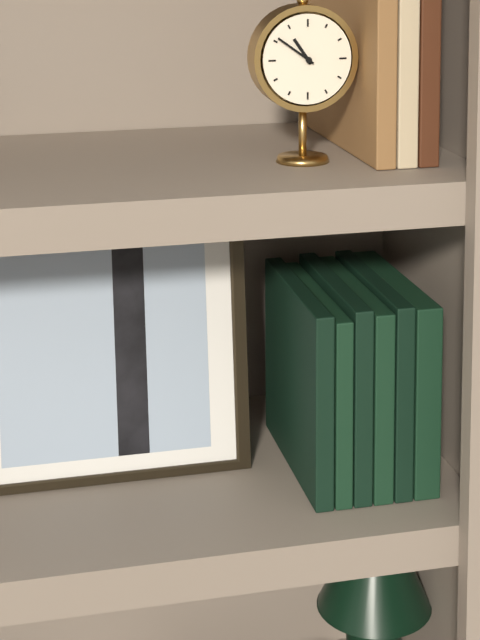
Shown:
10 h 51 min
